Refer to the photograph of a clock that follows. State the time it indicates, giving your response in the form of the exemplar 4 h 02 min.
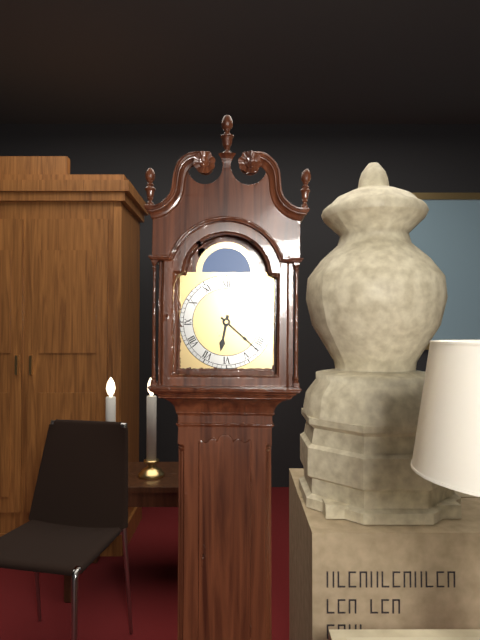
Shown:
6 h 22 min
